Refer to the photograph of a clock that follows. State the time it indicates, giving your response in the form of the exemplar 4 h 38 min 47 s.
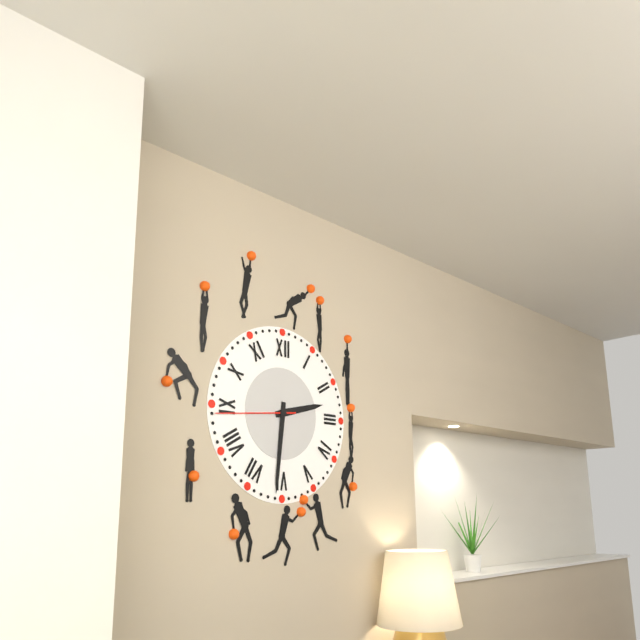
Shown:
2 h 31 min 44 s
